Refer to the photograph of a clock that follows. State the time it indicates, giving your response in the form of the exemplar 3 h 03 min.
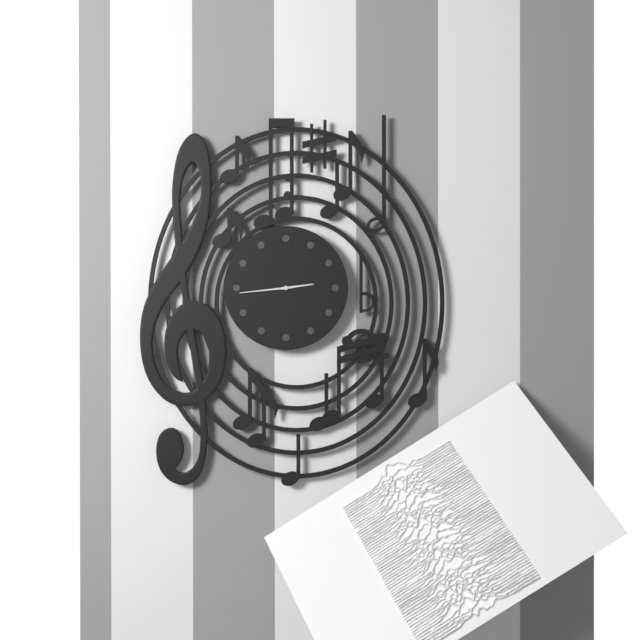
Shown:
2 h 44 min
